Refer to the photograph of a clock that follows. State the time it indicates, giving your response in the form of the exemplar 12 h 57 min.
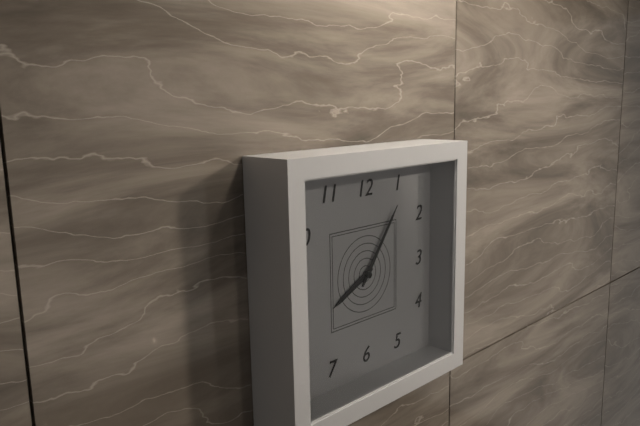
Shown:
8 h 06 min
